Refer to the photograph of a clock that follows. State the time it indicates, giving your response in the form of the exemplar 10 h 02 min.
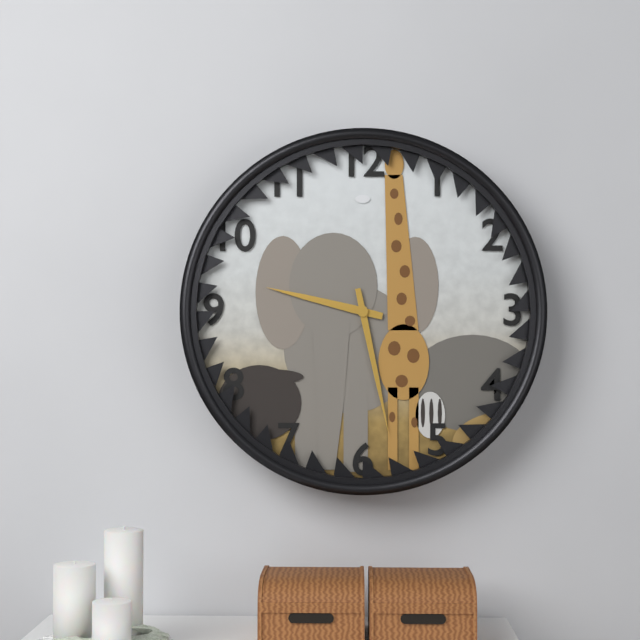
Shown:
9 h 28 min
